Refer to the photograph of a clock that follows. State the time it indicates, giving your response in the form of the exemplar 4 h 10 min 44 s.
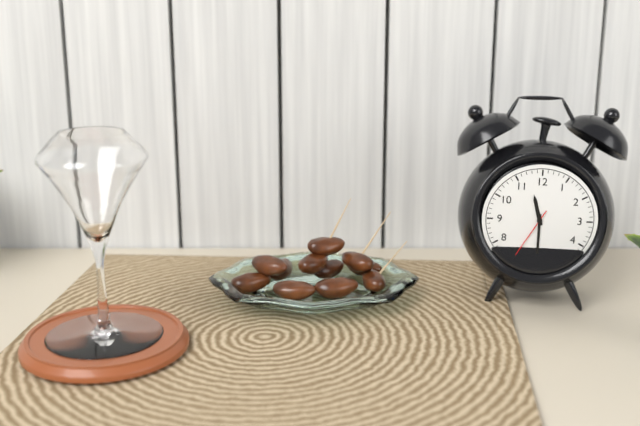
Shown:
11 h 30 min 35 s
